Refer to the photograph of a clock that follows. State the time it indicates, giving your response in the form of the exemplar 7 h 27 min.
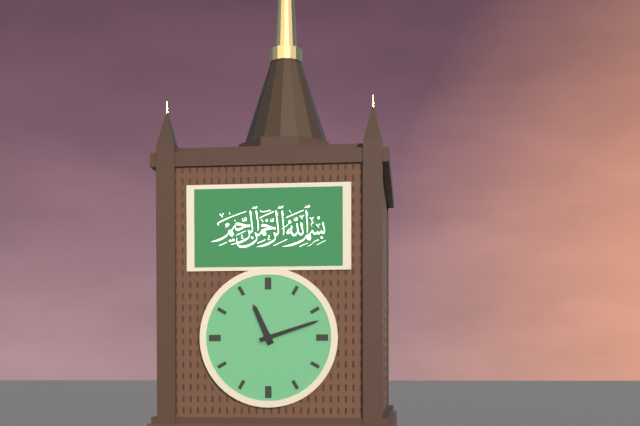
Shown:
11 h 12 min
